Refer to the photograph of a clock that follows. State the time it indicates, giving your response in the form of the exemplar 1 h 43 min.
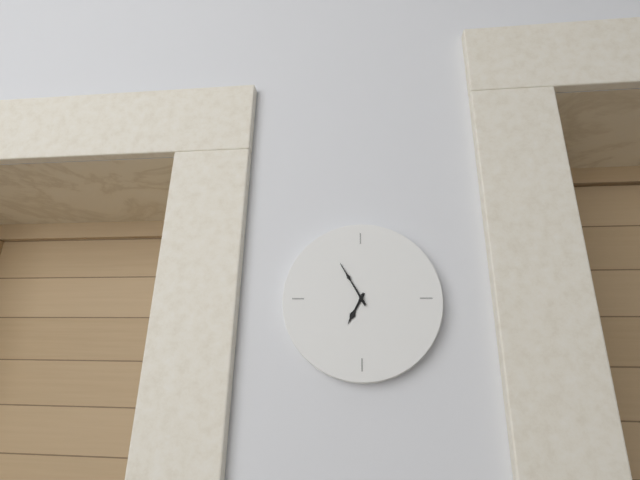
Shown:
6 h 55 min
